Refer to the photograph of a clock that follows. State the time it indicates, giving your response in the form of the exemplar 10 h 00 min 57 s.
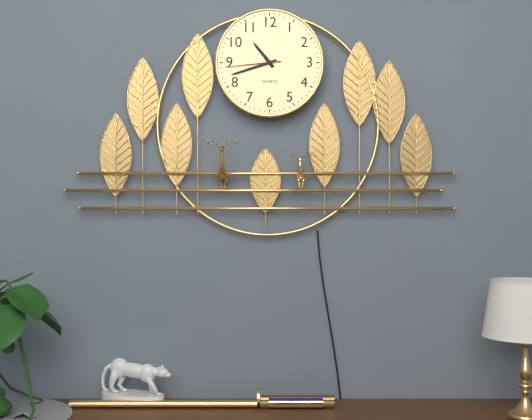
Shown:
10 h 42 min 44 s
